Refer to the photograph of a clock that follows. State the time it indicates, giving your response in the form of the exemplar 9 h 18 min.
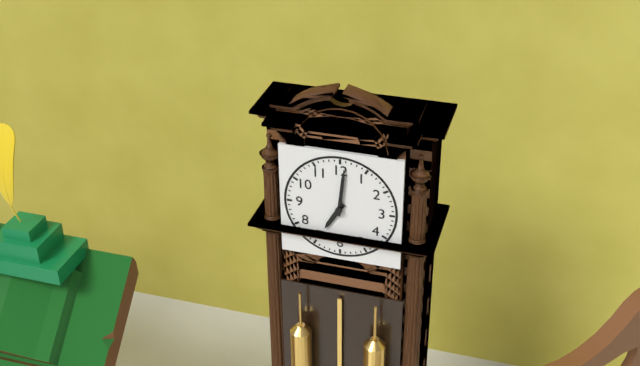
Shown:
7 h 01 min
